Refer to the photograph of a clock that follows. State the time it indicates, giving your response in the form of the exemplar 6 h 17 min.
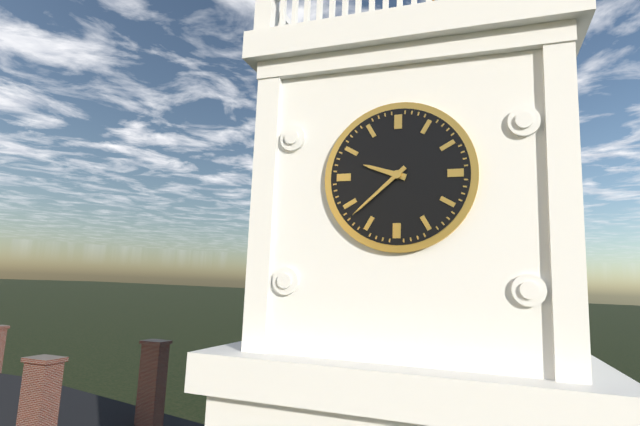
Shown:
9 h 38 min
